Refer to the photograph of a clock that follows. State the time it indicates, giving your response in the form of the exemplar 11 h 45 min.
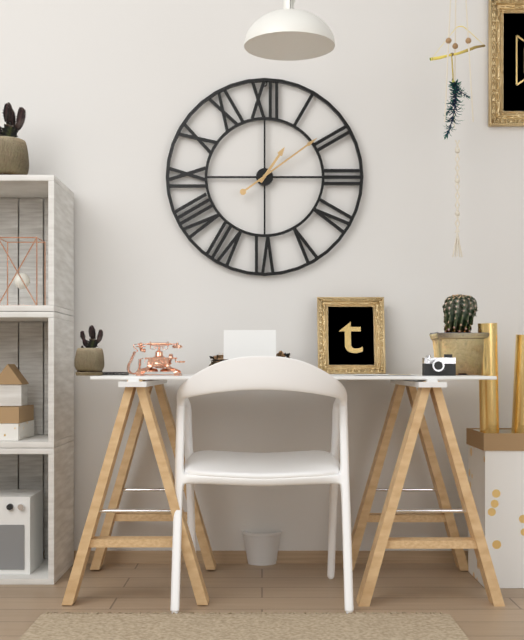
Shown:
1 h 09 min
